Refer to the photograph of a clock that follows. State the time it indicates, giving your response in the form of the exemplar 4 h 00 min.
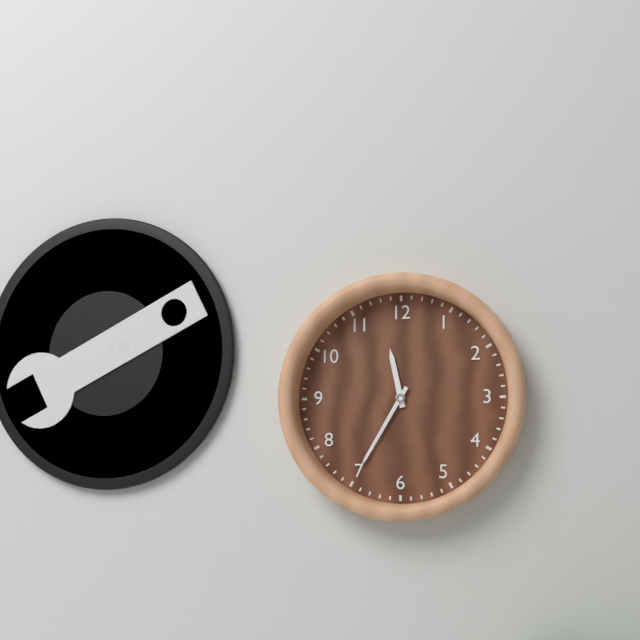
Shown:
11 h 35 min
